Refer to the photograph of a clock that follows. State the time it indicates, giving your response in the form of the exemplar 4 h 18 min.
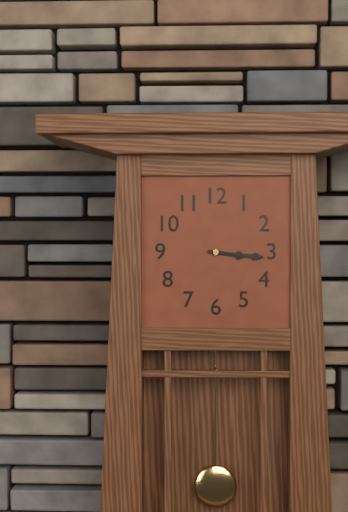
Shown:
3 h 16 min
